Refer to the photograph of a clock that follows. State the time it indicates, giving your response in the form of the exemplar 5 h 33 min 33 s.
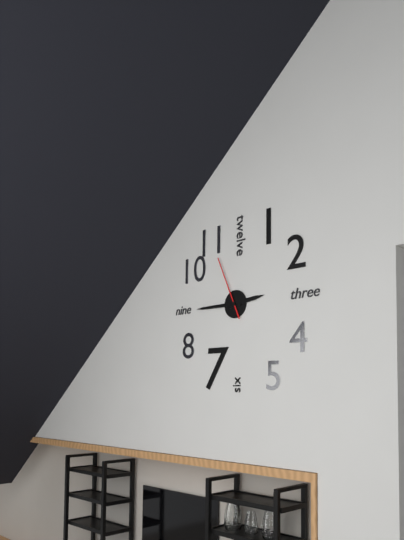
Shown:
2 h 45 min 56 s
